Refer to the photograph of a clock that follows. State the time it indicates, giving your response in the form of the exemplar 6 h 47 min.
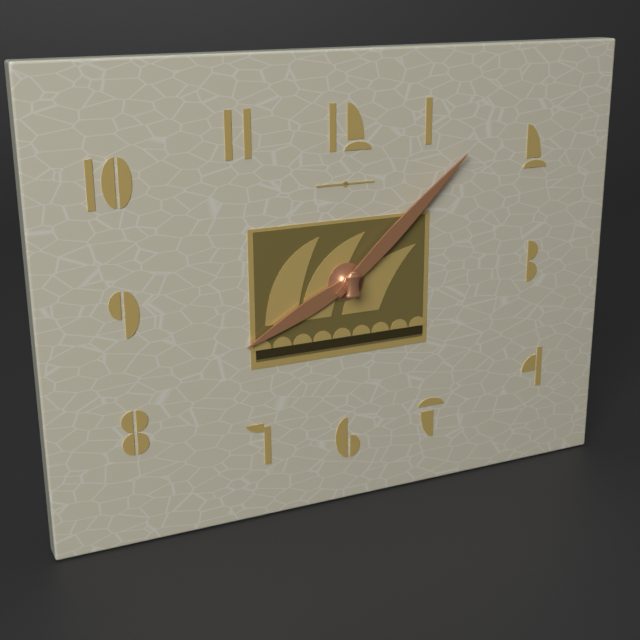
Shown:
8 h 08 min
